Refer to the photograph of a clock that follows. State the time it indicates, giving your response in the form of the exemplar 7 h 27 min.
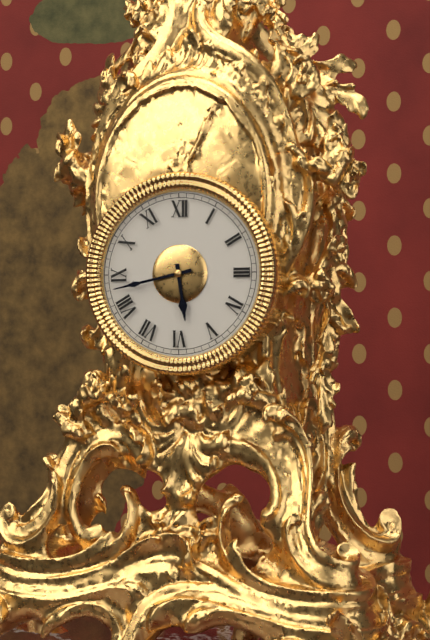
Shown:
5 h 43 min
